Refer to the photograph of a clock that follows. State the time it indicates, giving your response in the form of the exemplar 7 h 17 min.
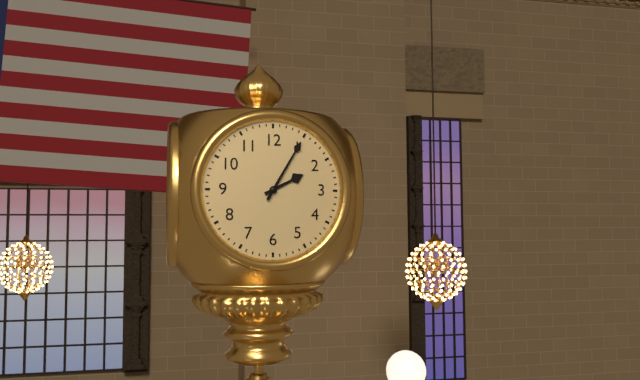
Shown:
2 h 05 min
